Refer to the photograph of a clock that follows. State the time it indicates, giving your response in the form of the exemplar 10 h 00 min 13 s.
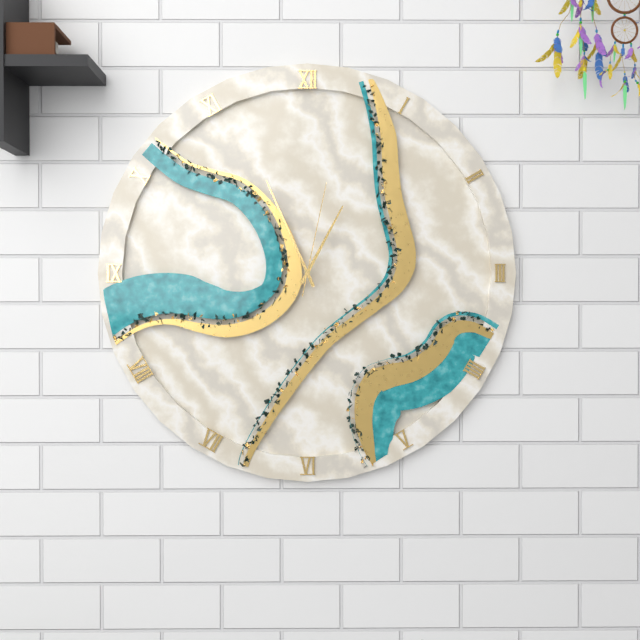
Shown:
12 h 56 min 02 s
